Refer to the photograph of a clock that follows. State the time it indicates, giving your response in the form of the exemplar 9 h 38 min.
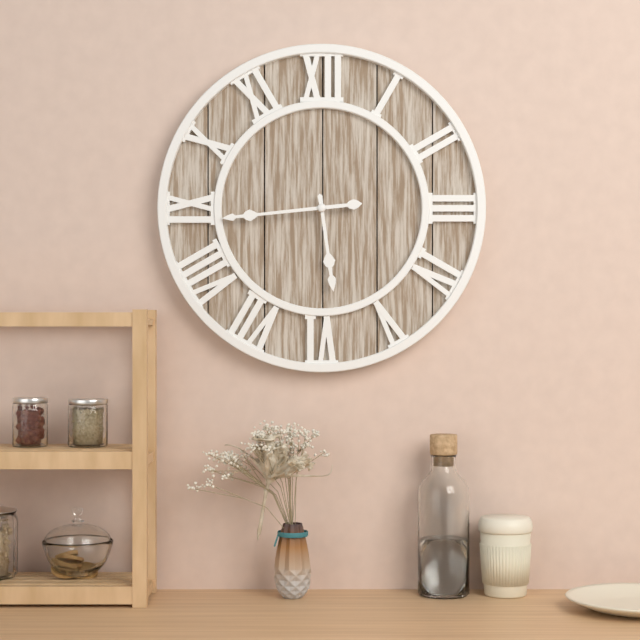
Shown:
5 h 44 min
